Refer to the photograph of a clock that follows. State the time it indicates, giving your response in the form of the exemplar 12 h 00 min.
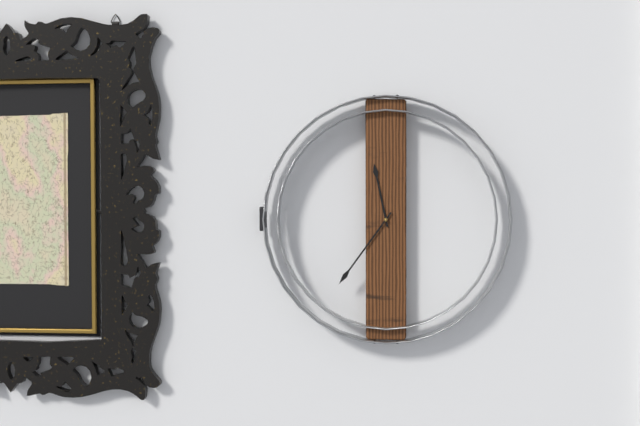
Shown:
11 h 36 min
